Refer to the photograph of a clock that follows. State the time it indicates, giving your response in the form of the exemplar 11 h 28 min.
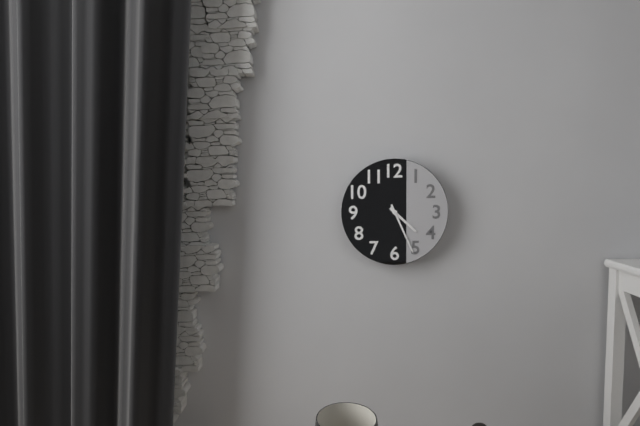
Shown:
4 h 26 min
